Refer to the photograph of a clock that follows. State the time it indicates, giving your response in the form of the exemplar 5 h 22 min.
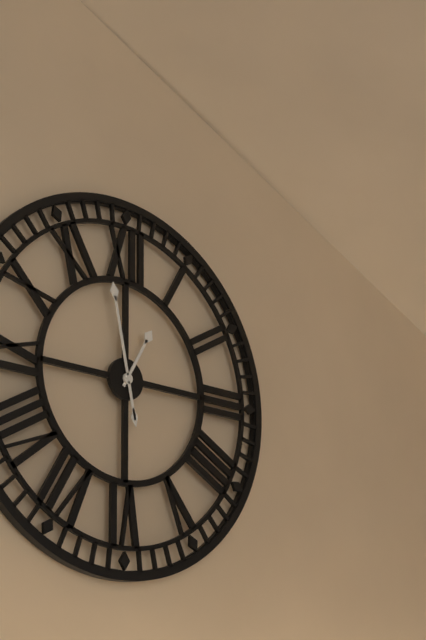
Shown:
12 h 58 min
